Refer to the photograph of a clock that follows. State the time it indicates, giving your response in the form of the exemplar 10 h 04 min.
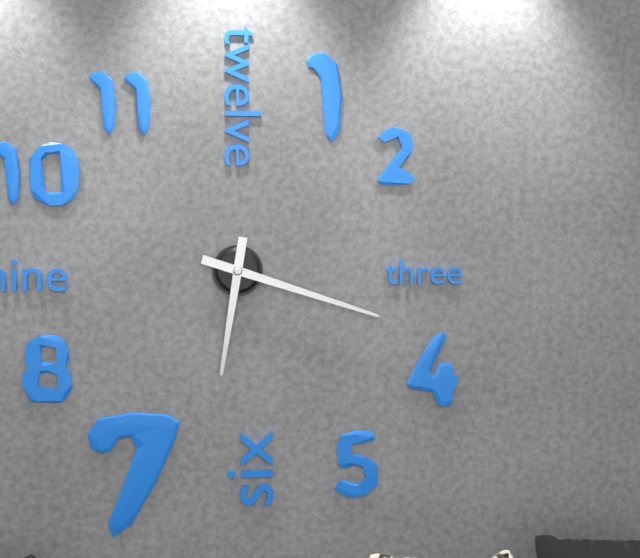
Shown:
6 h 18 min
